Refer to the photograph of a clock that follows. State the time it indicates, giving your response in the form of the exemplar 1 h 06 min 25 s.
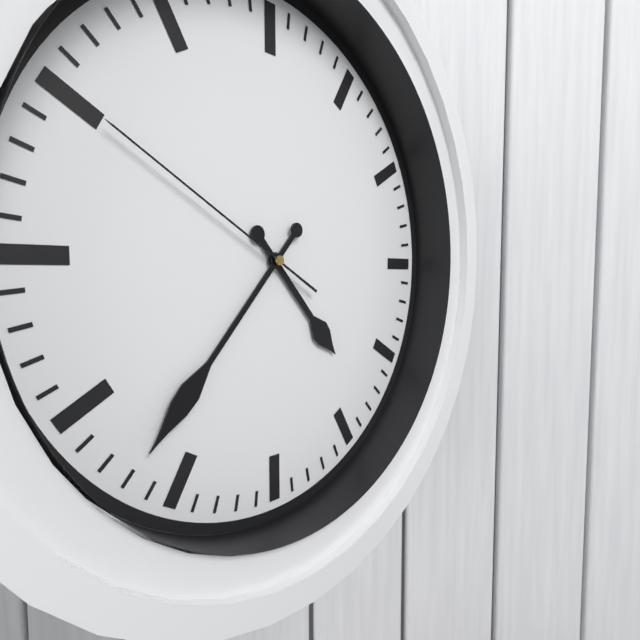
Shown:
4 h 37 min 50 s
